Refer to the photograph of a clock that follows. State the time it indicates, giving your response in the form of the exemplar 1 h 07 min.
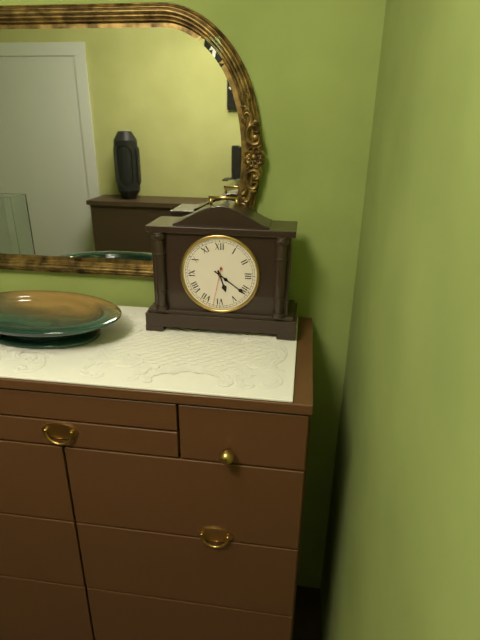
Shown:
5 h 21 min
